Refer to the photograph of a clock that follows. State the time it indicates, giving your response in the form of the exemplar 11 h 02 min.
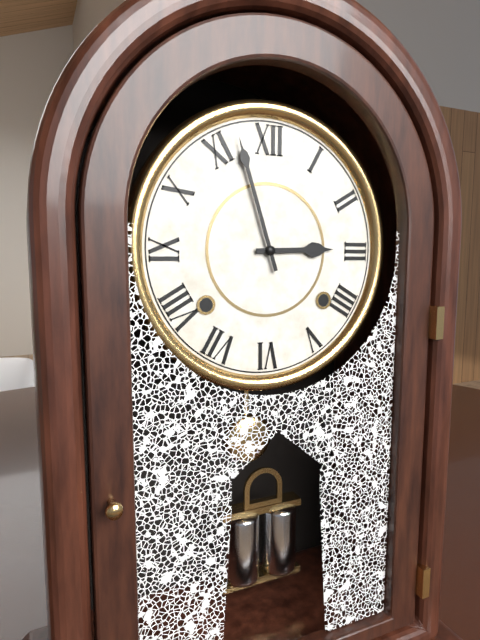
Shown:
2 h 57 min
